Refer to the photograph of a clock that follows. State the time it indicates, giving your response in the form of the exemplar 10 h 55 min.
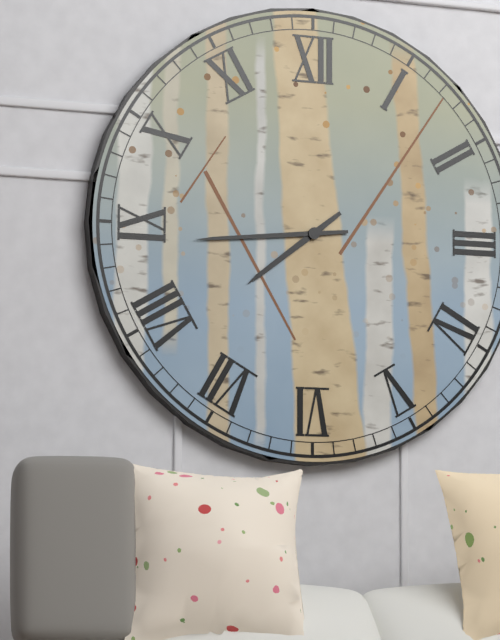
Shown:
7 h 44 min
